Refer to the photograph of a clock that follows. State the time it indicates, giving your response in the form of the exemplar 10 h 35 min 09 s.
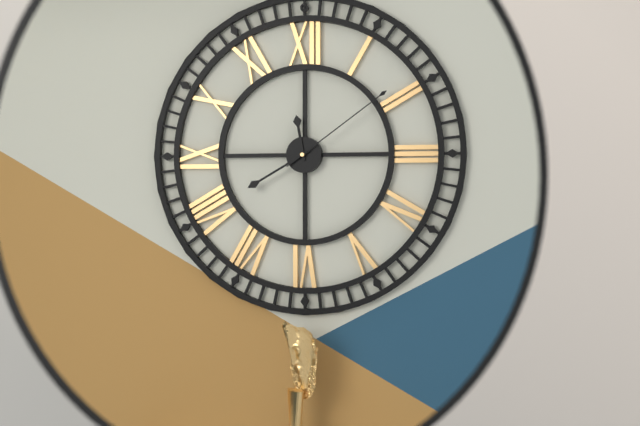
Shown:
11 h 40 min 09 s
